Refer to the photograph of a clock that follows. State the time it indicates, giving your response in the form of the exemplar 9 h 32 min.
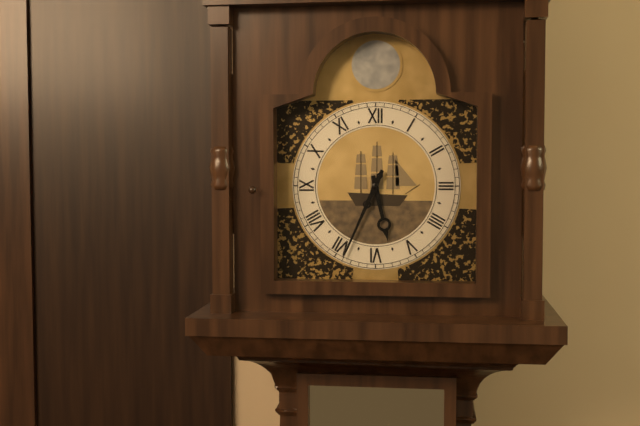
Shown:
5 h 34 min
